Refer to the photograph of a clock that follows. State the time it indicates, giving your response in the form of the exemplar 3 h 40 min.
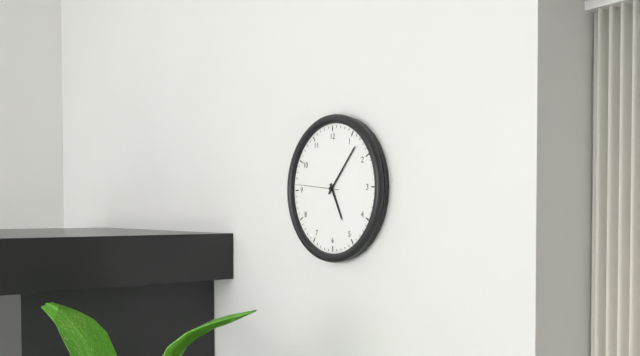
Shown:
5 h 07 min
